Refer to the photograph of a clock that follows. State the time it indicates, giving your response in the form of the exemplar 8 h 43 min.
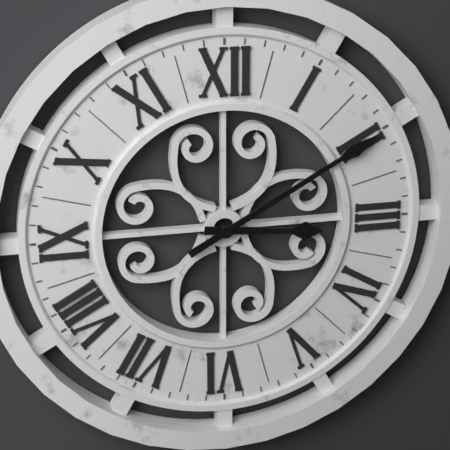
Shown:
3 h 10 min
